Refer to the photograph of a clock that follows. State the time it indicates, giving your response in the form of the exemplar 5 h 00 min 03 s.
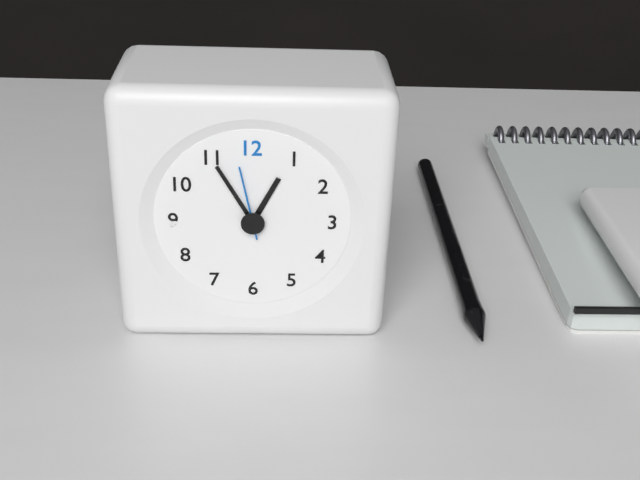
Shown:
12 h 55 min 58 s
